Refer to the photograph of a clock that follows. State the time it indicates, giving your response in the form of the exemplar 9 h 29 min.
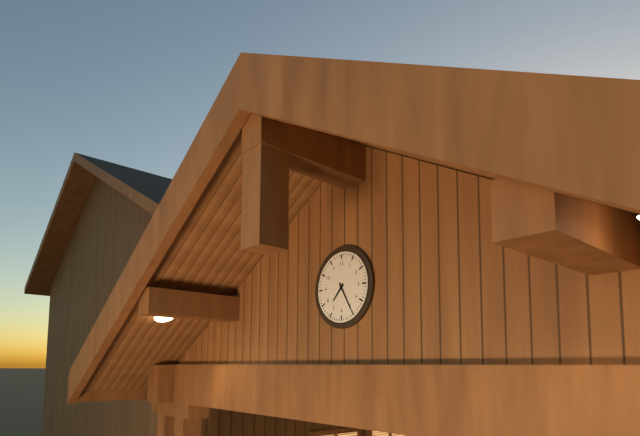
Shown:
7 h 25 min
